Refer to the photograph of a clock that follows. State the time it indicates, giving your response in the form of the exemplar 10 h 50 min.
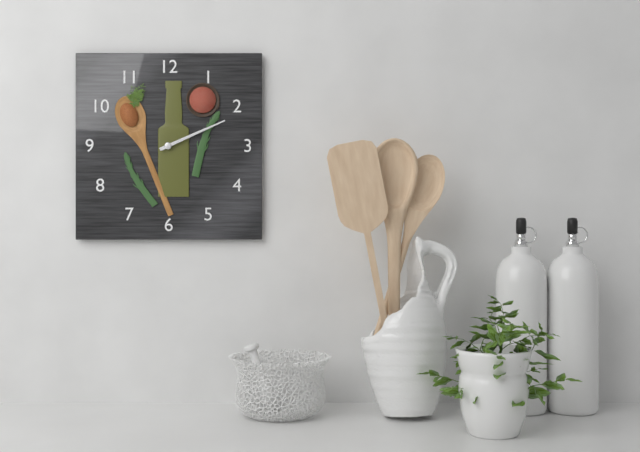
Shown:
2 h 11 min
